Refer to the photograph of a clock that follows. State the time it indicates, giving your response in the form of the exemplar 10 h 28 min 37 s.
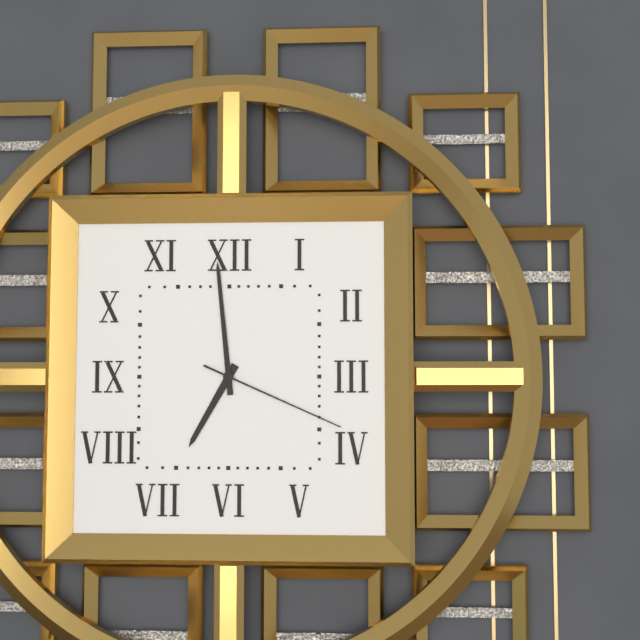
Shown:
6 h 59 min 19 s
